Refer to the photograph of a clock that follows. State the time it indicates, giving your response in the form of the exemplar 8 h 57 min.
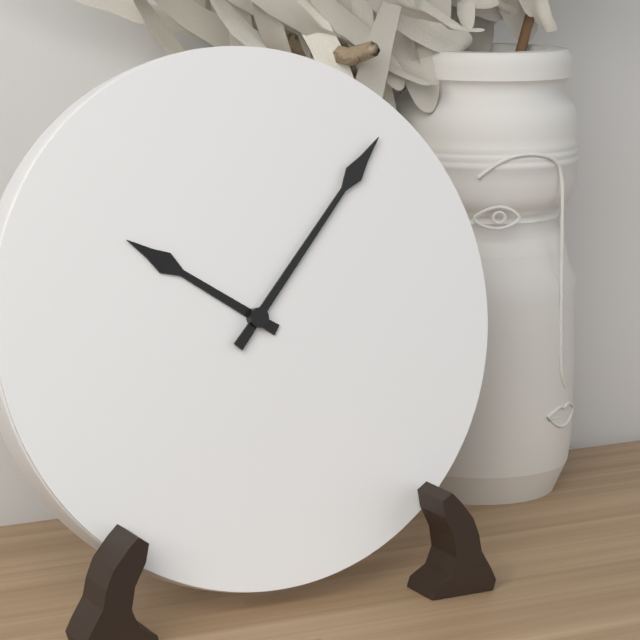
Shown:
10 h 07 min
